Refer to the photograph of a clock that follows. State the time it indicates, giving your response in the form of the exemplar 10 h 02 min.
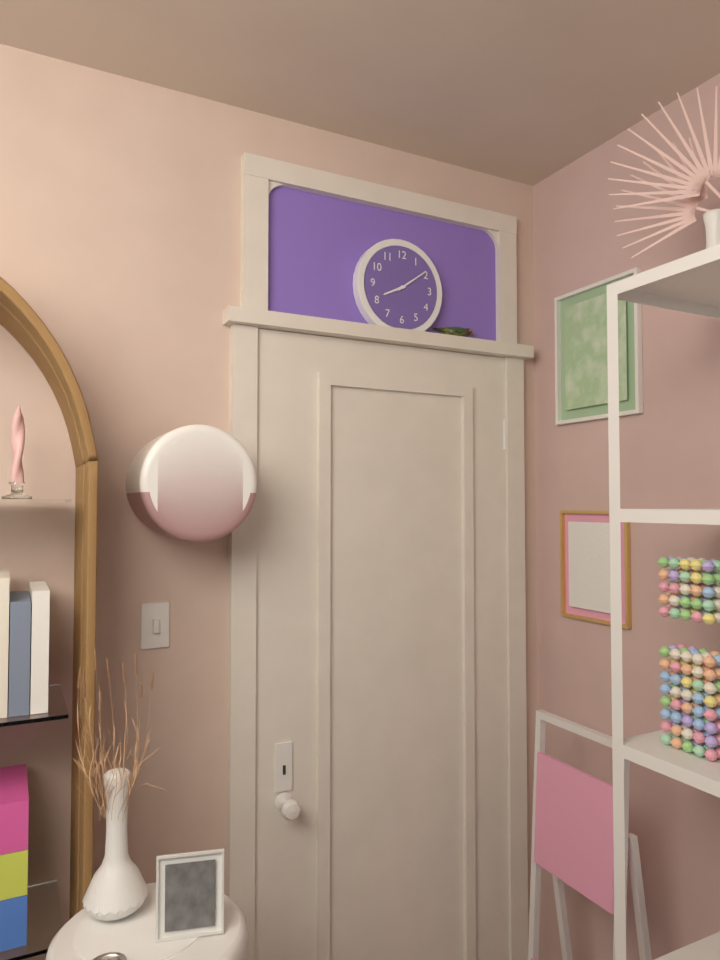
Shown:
8 h 09 min
